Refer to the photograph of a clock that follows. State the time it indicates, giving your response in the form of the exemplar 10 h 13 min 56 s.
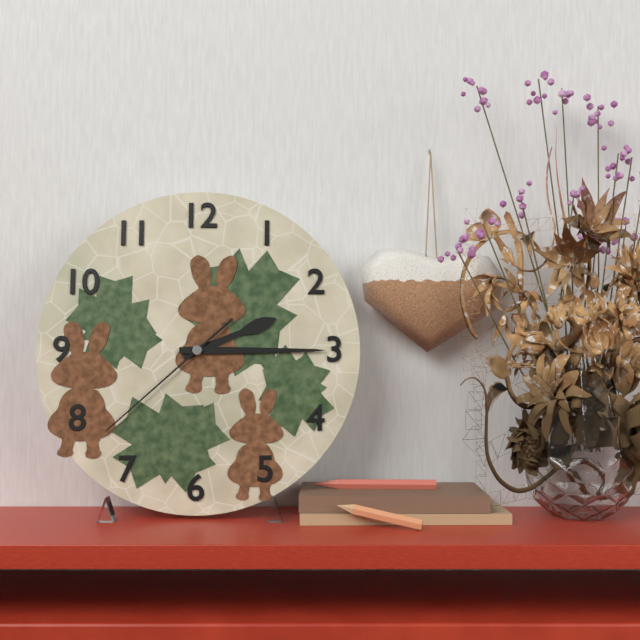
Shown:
2 h 15 min 38 s
